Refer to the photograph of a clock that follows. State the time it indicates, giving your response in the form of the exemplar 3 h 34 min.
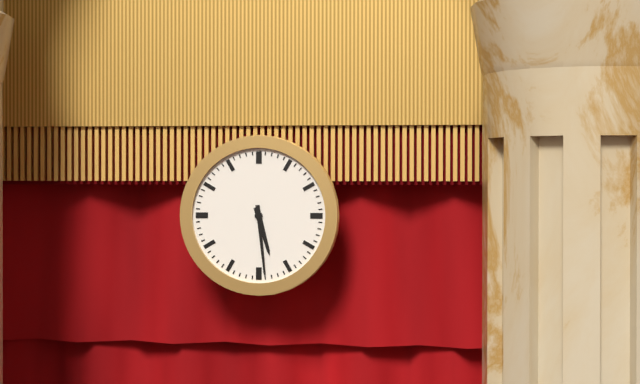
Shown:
5 h 29 min
